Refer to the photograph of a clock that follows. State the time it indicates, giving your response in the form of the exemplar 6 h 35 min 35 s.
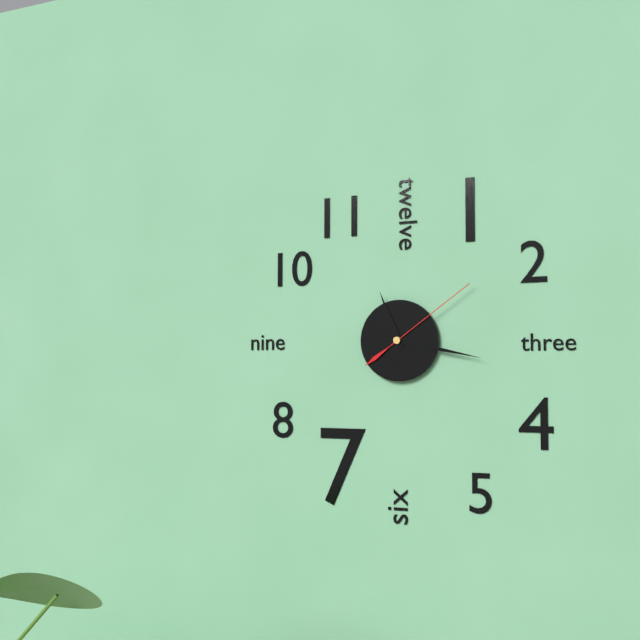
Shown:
11 h 17 min 09 s
